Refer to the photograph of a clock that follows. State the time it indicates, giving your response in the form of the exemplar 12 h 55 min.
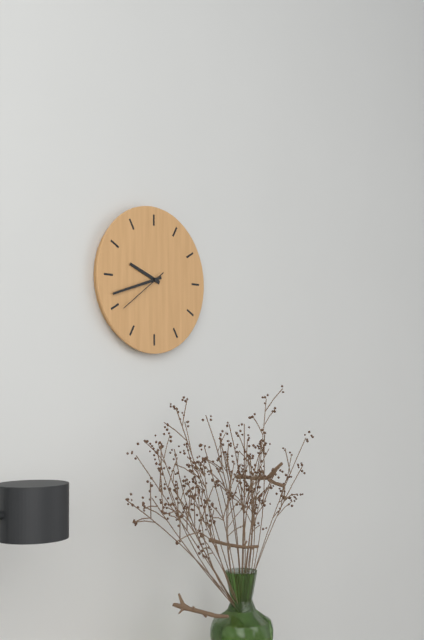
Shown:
9 h 42 min
